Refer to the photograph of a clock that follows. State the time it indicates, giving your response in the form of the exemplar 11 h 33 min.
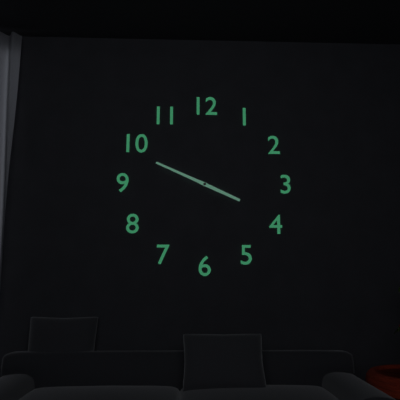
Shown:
3 h 49 min
